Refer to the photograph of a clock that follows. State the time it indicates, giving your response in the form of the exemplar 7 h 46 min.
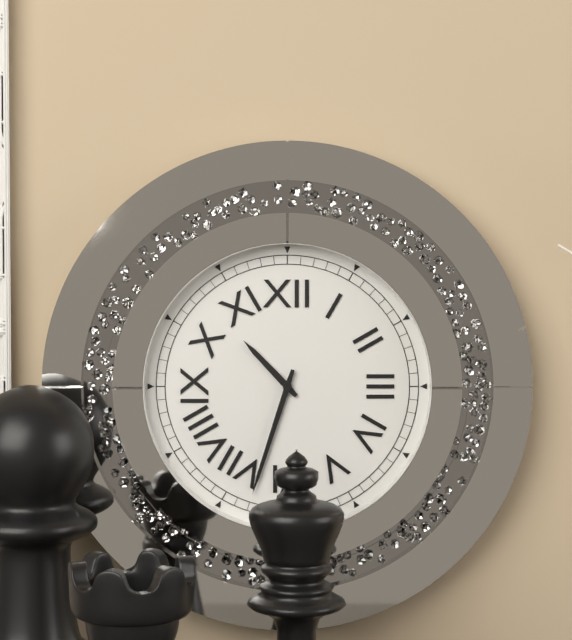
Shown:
10 h 33 min
